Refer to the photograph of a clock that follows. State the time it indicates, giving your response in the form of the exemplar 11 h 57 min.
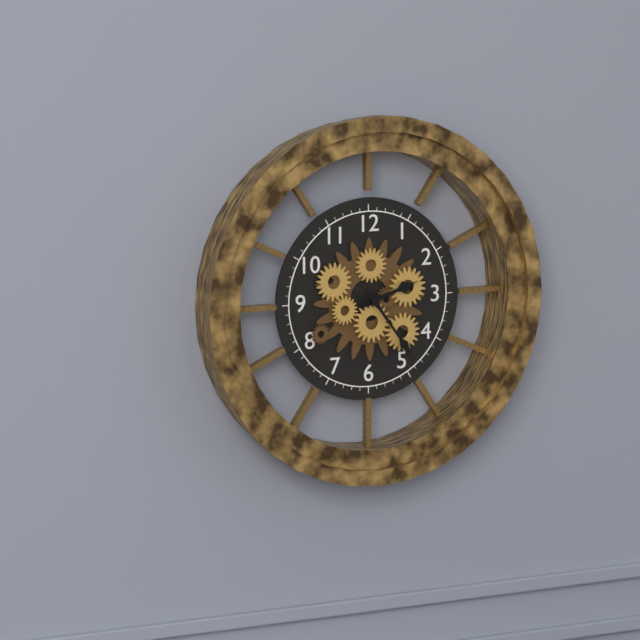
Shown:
2 h 24 min
